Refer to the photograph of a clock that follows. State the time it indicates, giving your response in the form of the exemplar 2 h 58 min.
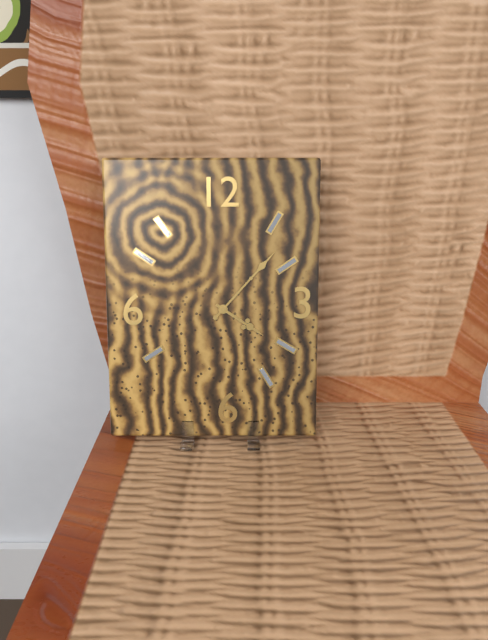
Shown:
4 h 07 min
